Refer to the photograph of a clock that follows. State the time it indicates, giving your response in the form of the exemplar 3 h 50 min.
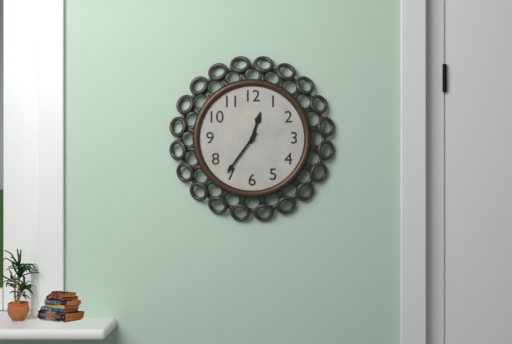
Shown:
12 h 36 min
